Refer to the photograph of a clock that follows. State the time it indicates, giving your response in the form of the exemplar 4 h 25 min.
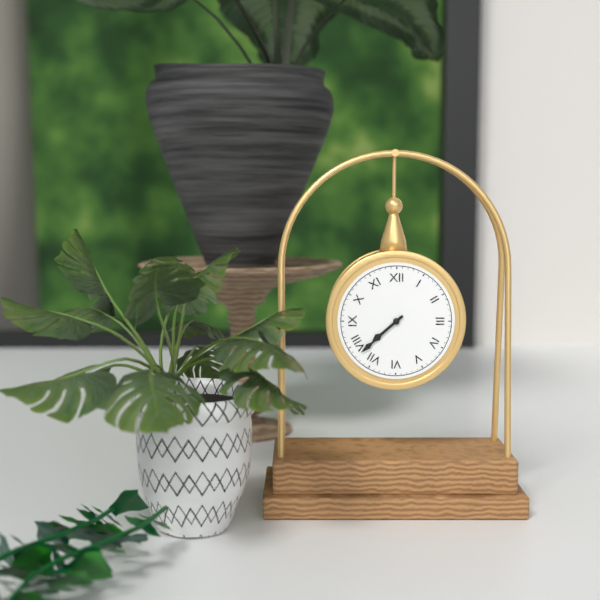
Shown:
7 h 38 min
